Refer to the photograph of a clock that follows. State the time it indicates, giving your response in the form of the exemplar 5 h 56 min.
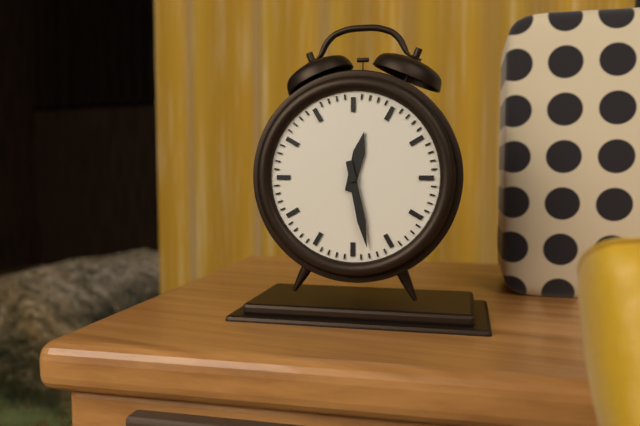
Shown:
12 h 28 min
